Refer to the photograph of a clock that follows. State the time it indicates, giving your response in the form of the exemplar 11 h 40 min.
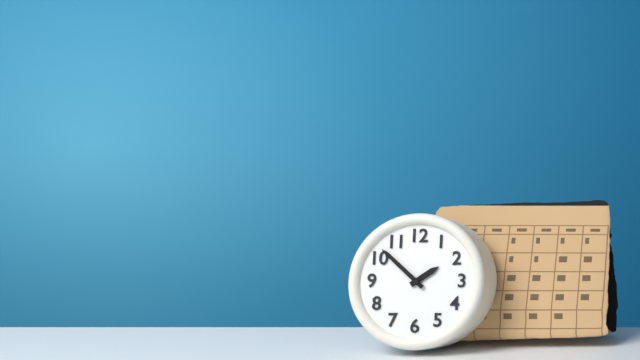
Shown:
1 h 52 min
